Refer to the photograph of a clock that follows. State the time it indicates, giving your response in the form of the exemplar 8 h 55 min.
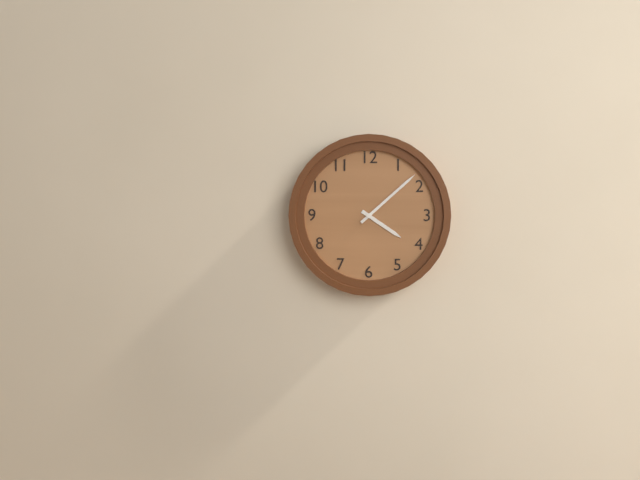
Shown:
4 h 08 min
